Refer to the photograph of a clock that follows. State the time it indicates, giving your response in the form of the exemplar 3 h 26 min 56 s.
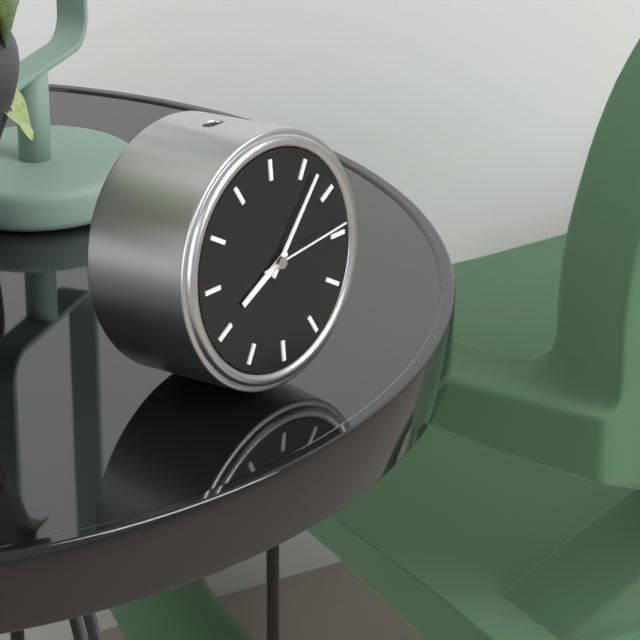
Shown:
8 h 07 min 14 s
